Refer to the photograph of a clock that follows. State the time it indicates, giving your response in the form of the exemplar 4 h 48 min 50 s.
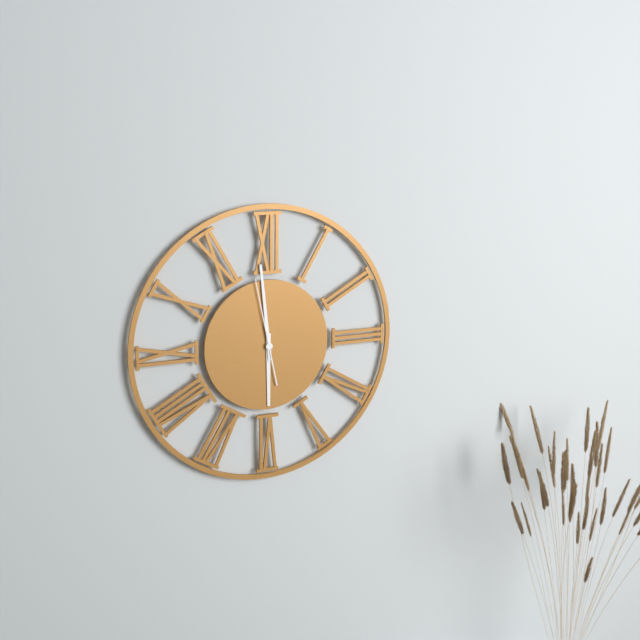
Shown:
5 h 59 min 58 s
